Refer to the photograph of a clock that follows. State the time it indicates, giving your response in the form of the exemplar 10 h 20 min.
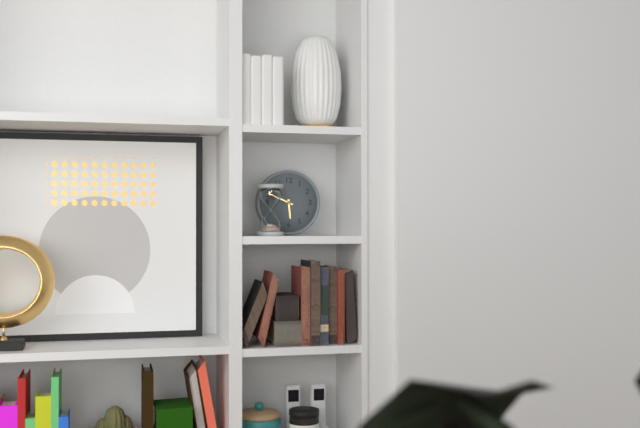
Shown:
5 h 49 min
